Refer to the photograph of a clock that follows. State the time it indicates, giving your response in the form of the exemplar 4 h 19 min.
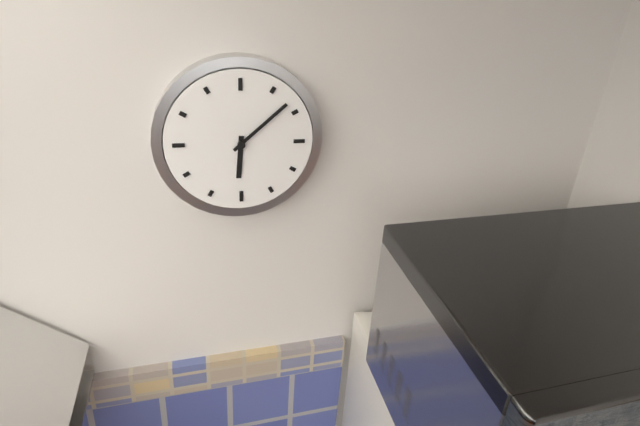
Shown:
6 h 08 min
